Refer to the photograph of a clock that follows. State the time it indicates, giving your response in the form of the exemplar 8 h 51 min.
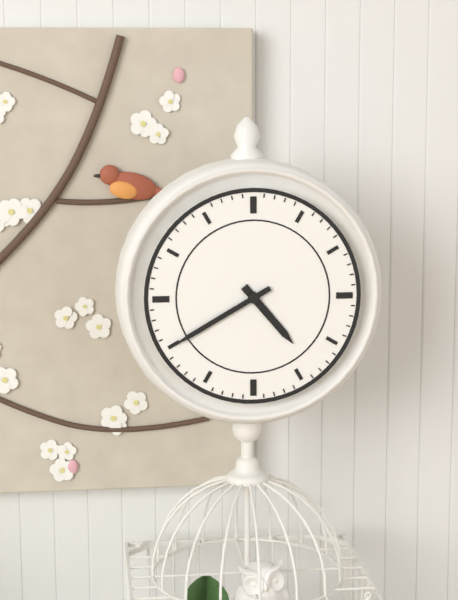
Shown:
4 h 40 min
